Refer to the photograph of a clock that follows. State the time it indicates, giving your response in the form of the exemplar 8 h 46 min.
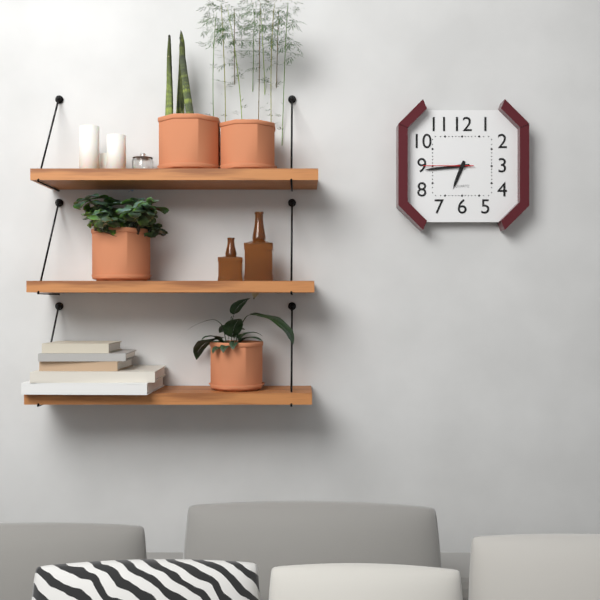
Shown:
6 h 44 min
